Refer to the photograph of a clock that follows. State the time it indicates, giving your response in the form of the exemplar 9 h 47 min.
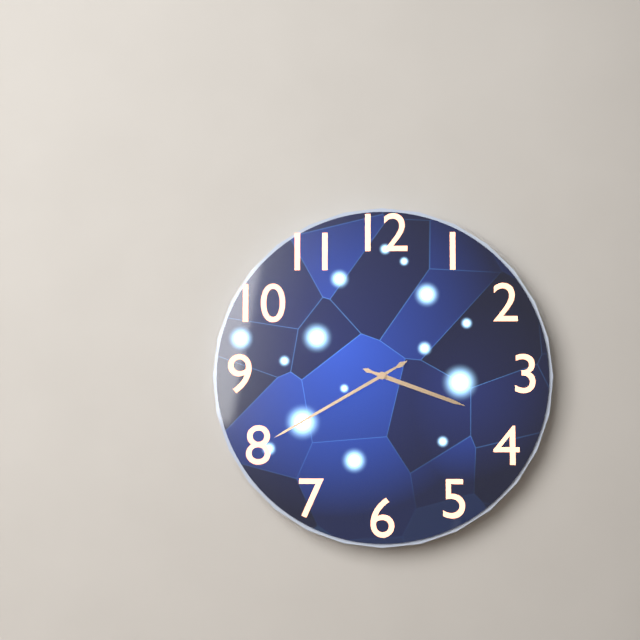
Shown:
3 h 40 min
